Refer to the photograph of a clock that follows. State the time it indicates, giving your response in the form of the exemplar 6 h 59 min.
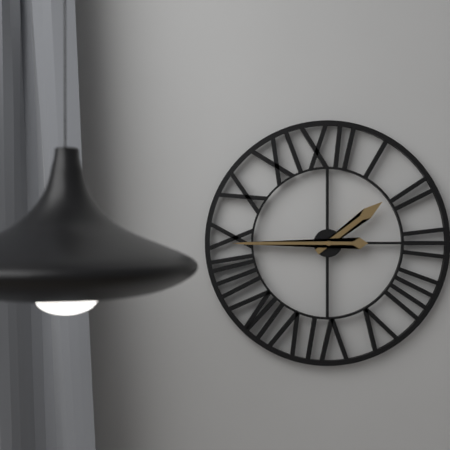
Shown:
1 h 45 min
